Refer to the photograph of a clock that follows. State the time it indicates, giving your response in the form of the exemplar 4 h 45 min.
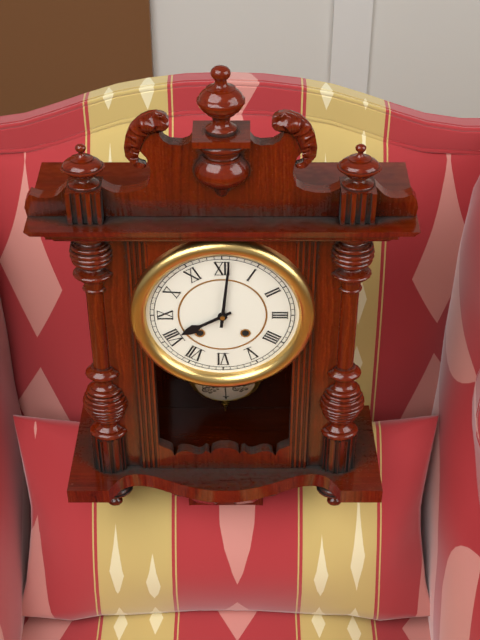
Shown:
8 h 01 min
